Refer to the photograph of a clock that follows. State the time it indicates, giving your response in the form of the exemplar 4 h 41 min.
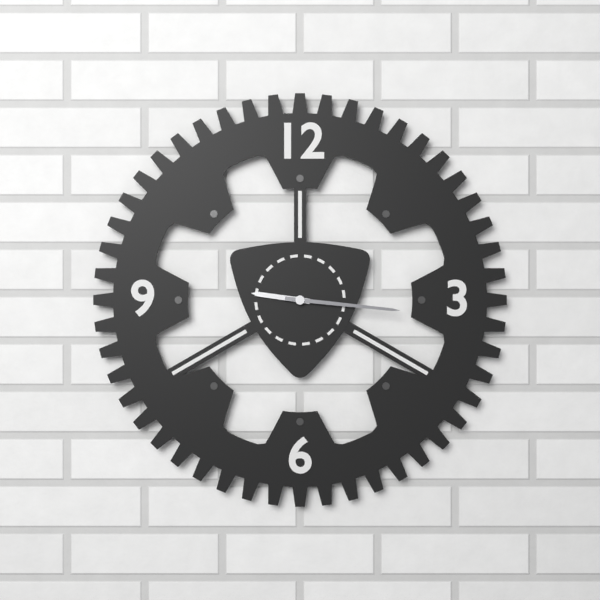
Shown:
9 h 16 min
